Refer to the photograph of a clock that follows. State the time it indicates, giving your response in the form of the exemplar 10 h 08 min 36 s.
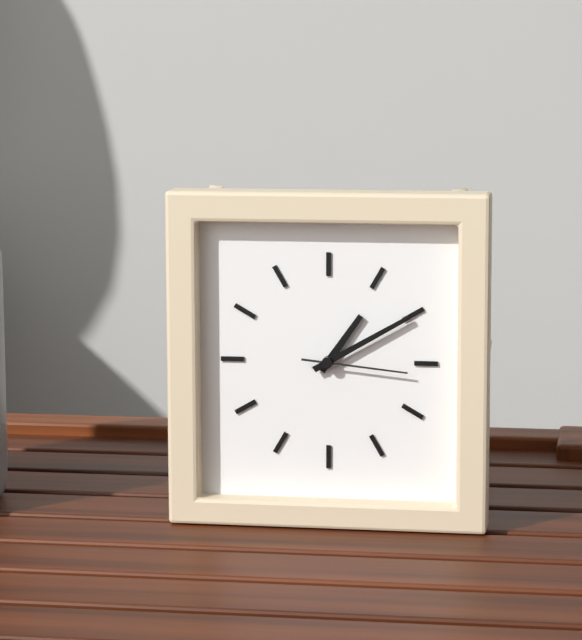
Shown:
1 h 10 min 16 s
